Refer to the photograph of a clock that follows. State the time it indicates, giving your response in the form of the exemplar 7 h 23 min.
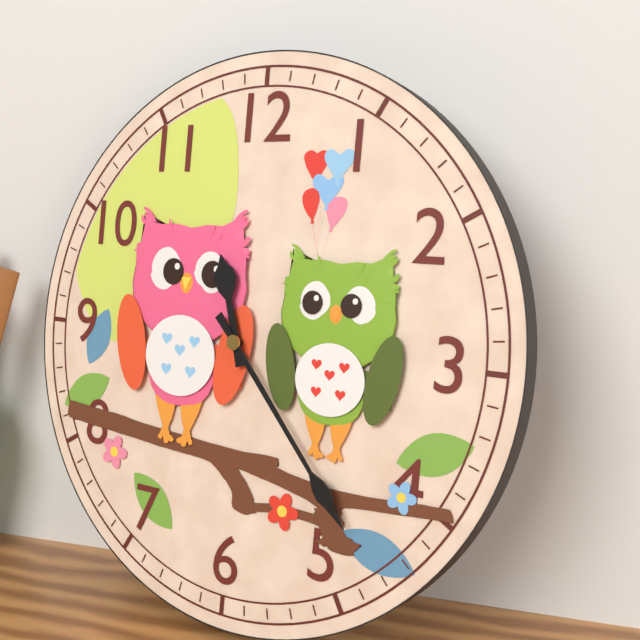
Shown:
11 h 23 min
